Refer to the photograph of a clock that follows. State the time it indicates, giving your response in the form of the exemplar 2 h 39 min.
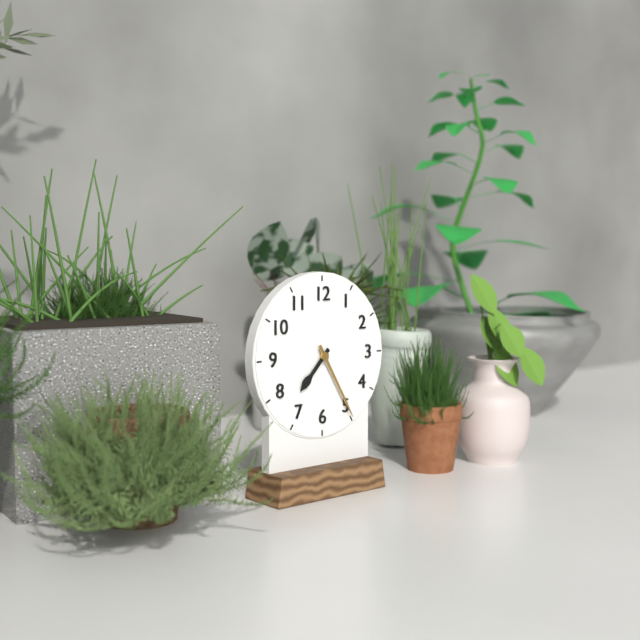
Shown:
7 h 25 min
